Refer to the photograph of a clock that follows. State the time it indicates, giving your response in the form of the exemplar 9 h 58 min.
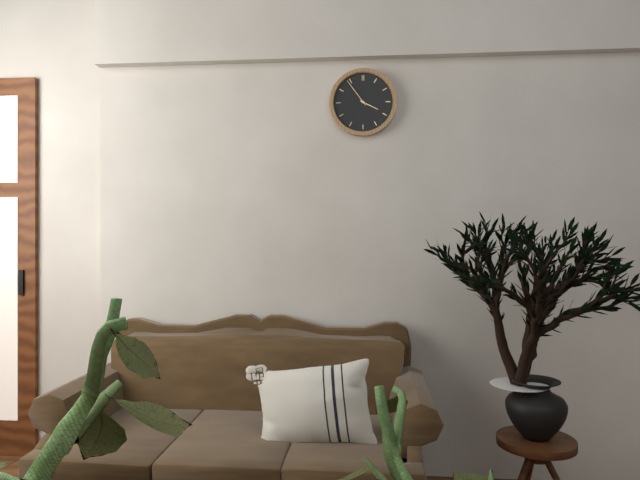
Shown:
3 h 54 min
